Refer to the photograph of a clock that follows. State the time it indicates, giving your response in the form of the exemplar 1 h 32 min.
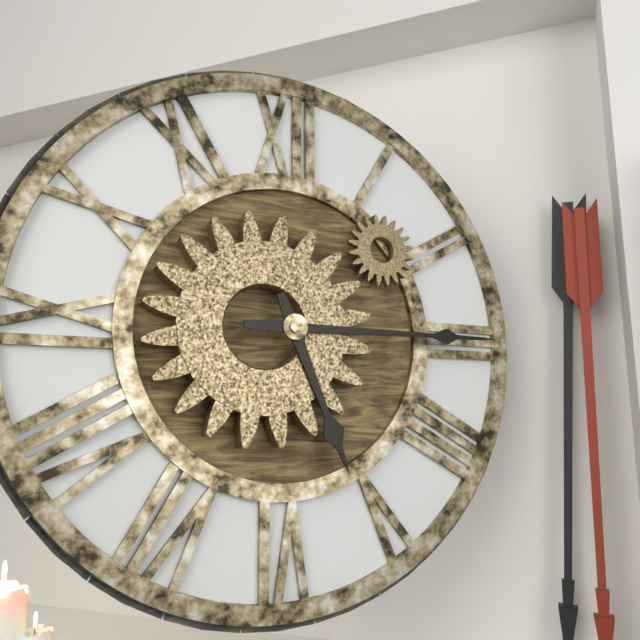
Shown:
5 h 15 min
